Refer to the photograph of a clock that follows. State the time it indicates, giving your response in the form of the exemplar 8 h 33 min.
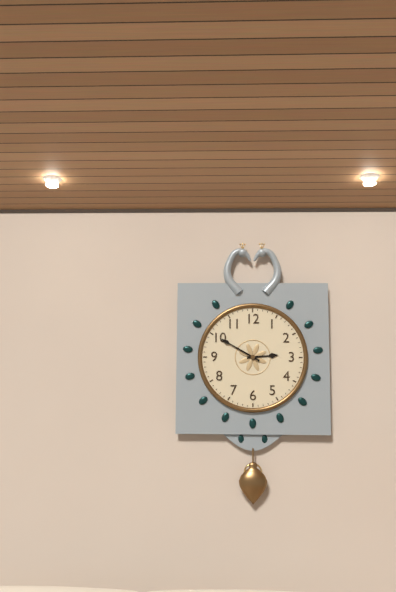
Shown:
2 h 50 min
